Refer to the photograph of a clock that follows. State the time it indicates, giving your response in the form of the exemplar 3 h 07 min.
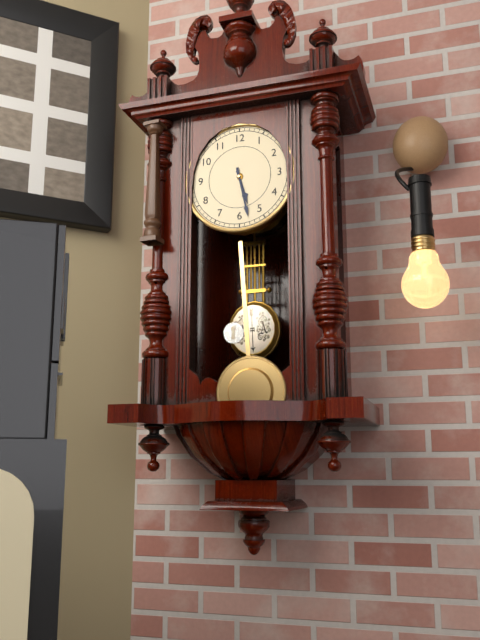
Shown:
5 h 28 min
